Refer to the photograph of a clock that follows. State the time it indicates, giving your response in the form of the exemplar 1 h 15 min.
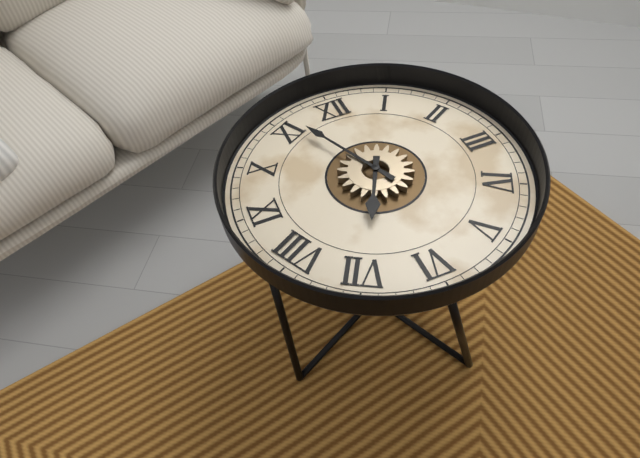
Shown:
6 h 56 min
